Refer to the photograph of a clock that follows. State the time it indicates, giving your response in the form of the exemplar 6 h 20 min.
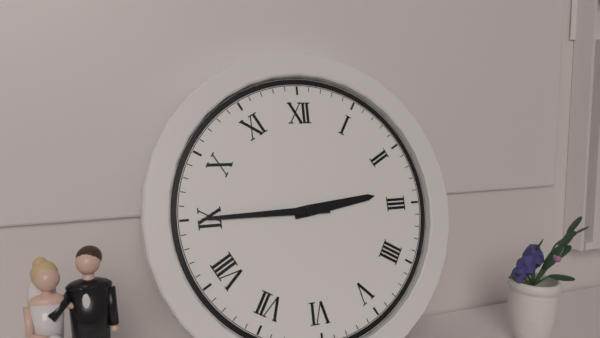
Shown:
2 h 45 min
